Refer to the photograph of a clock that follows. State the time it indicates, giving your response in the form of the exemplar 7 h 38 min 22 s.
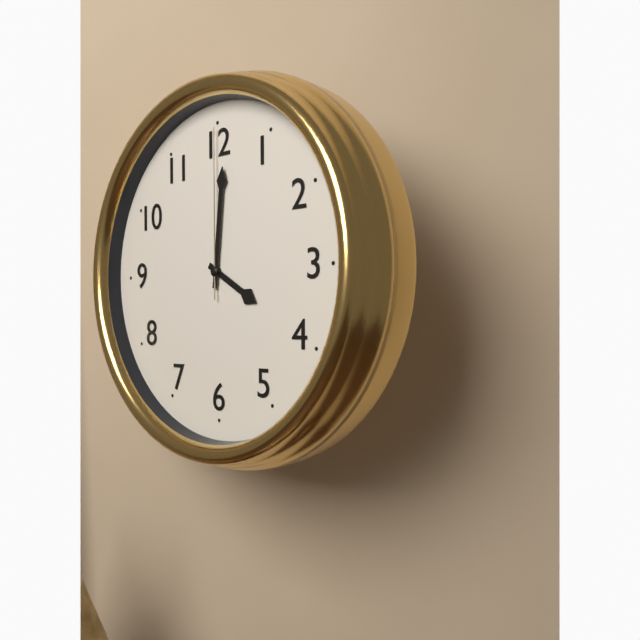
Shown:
4 h 01 min 00 s
